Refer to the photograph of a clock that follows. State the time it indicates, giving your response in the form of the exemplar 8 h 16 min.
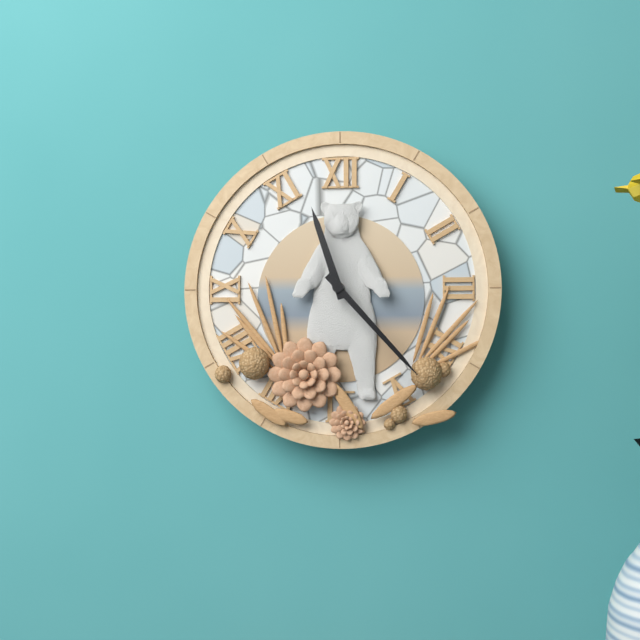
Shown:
11 h 23 min
